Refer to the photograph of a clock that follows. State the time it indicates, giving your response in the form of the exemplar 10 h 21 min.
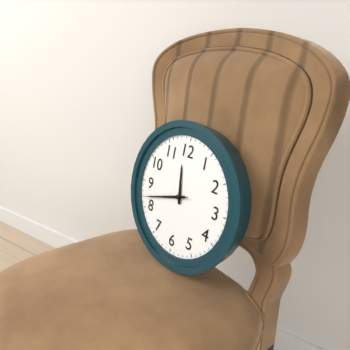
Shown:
11 h 42 min
